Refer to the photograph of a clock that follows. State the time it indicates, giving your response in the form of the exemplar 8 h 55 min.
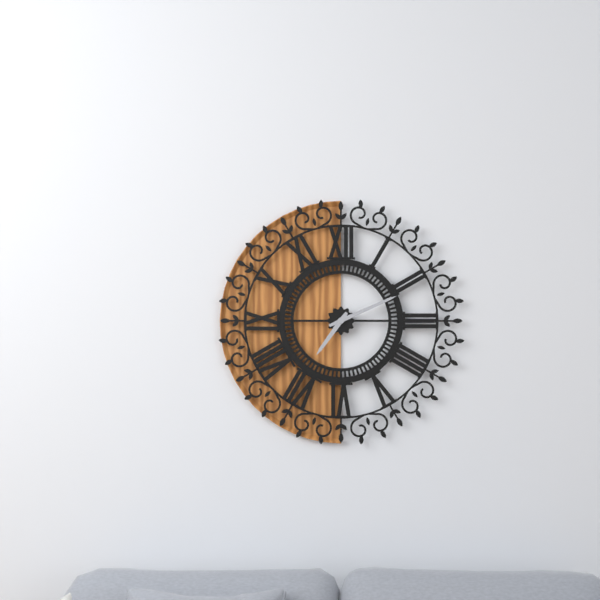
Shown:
7 h 11 min
